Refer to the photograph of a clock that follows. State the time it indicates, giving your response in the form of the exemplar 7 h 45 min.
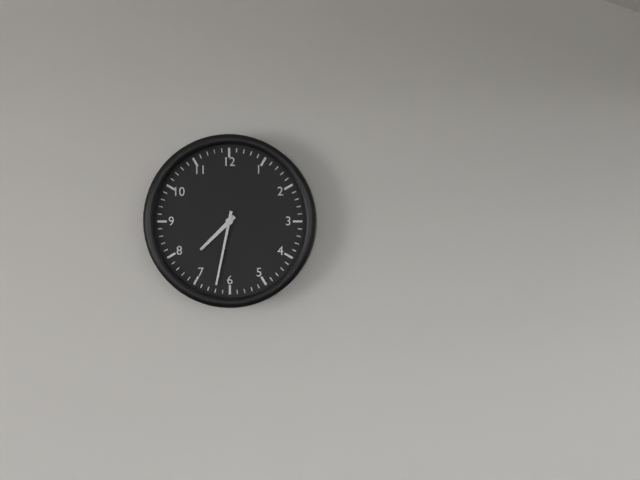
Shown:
7 h 32 min
